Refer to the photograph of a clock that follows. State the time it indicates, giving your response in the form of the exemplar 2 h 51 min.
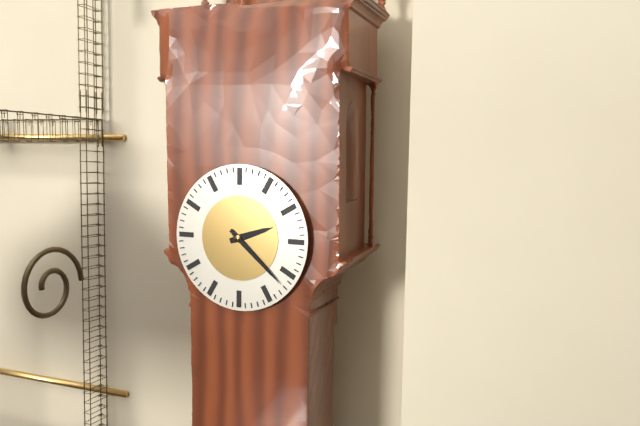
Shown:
2 h 22 min
